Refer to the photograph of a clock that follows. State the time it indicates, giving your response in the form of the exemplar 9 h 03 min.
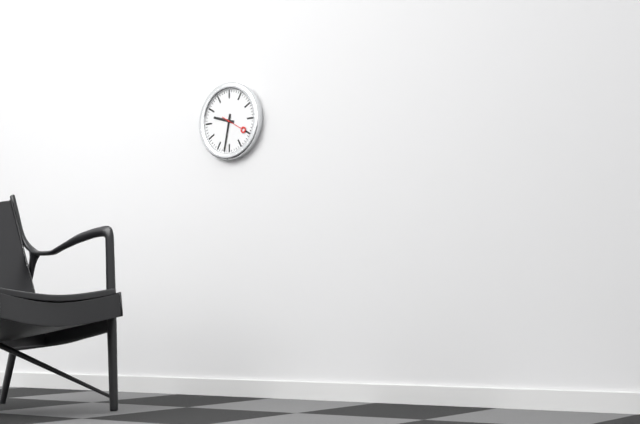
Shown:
9 h 32 min
